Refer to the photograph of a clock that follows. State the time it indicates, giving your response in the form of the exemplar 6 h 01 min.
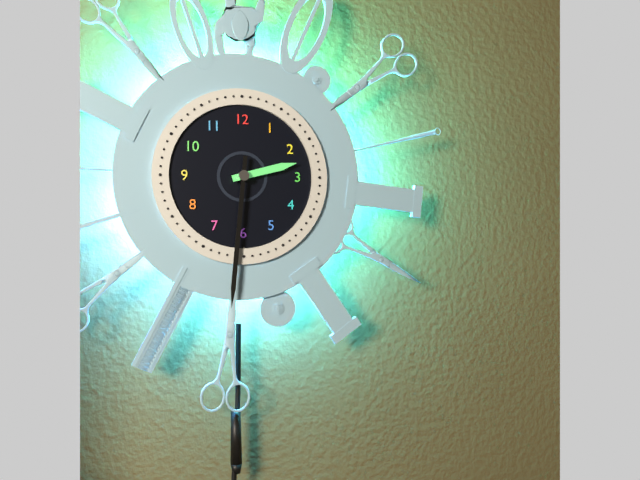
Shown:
2 h 31 min
